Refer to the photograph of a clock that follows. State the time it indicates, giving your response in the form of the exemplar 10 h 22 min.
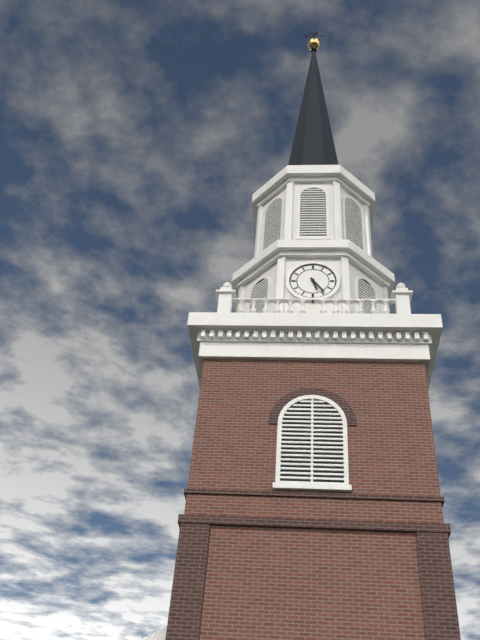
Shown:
5 h 24 min
